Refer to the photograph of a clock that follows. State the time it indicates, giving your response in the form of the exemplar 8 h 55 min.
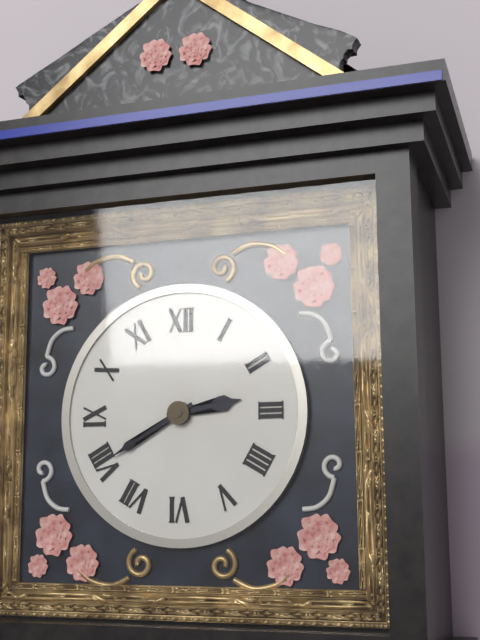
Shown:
2 h 40 min
